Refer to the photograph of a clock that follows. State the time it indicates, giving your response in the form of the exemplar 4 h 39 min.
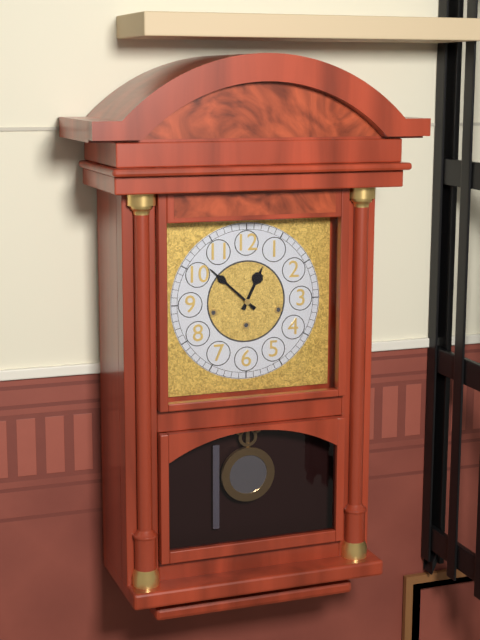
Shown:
12 h 52 min
